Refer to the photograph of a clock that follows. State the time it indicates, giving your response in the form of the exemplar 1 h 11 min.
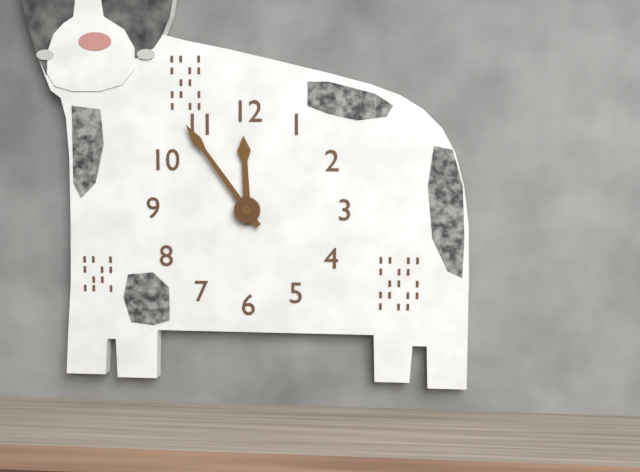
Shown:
11 h 54 min
